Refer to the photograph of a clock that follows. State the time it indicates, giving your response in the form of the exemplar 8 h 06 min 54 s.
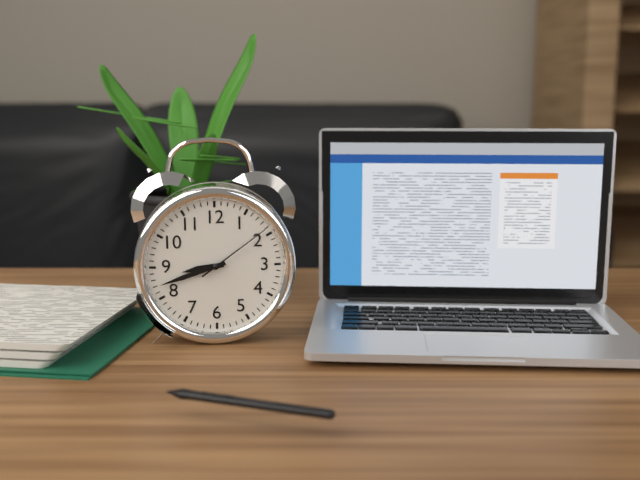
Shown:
8 h 42 min 09 s
